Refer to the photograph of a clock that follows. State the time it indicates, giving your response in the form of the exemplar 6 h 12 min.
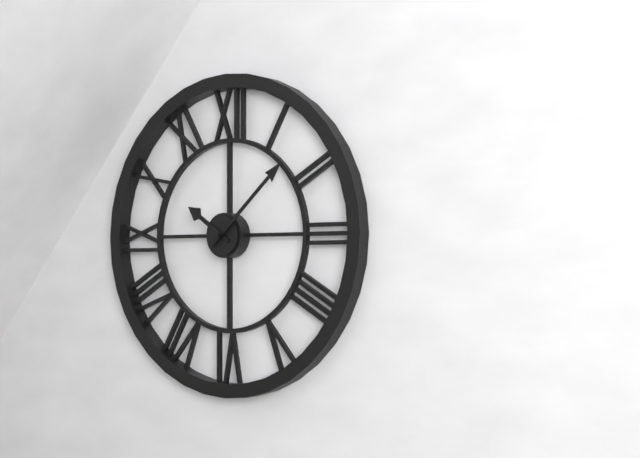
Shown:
10 h 08 min
